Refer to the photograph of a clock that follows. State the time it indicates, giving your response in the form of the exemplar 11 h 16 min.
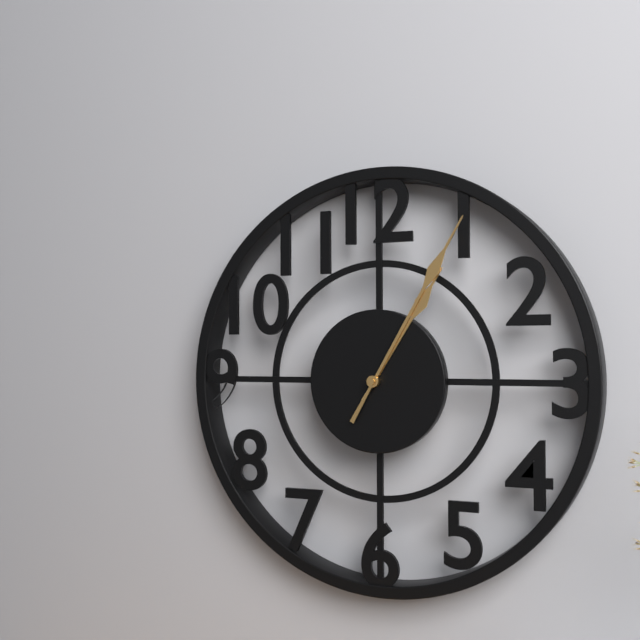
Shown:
1 h 05 min
